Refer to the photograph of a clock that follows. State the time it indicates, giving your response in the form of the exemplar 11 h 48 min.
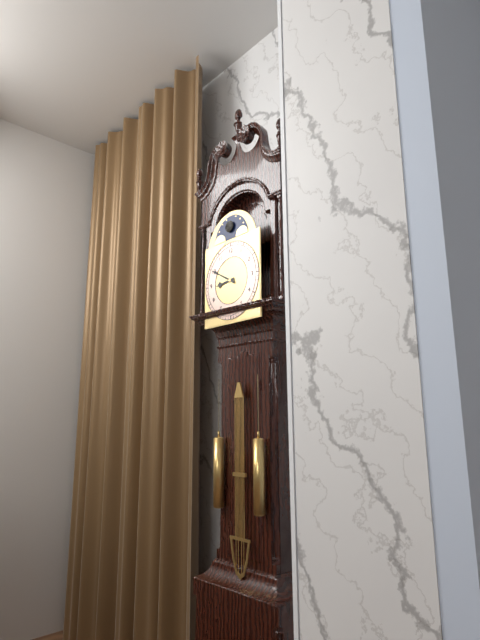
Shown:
8 h 50 min
